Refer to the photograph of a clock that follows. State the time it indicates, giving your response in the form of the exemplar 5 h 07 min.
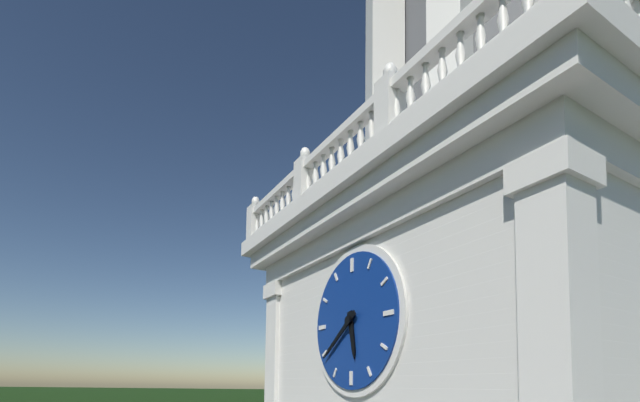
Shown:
5 h 39 min
